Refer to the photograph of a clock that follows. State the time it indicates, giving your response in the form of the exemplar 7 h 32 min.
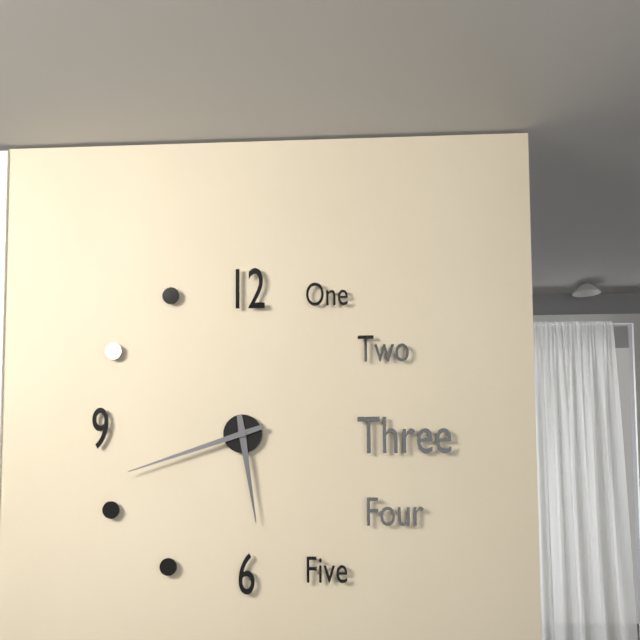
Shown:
5 h 42 min
